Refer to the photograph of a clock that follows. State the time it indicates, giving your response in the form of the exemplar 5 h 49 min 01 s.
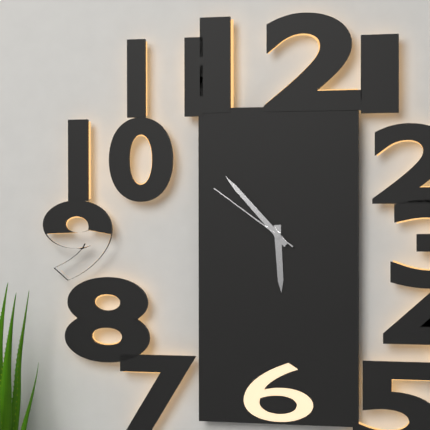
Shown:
5 h 53 min 51 s
